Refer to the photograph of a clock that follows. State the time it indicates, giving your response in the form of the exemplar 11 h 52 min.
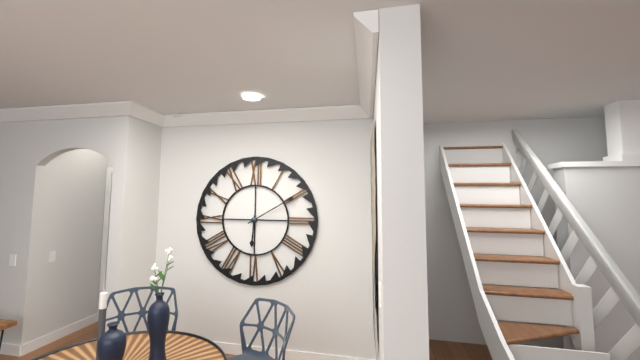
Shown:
6 h 10 min
